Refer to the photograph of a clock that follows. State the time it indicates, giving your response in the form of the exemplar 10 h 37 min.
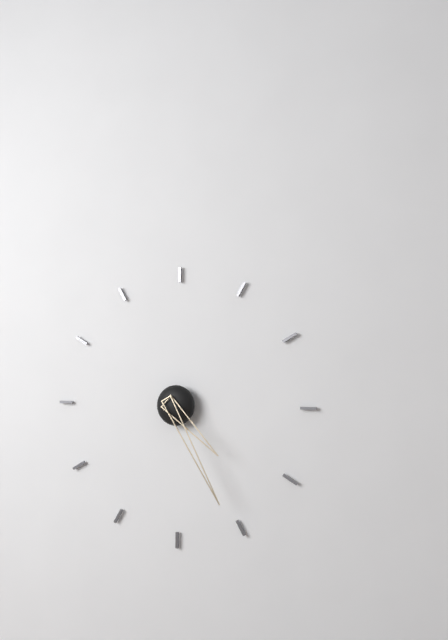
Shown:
4 h 25 min
